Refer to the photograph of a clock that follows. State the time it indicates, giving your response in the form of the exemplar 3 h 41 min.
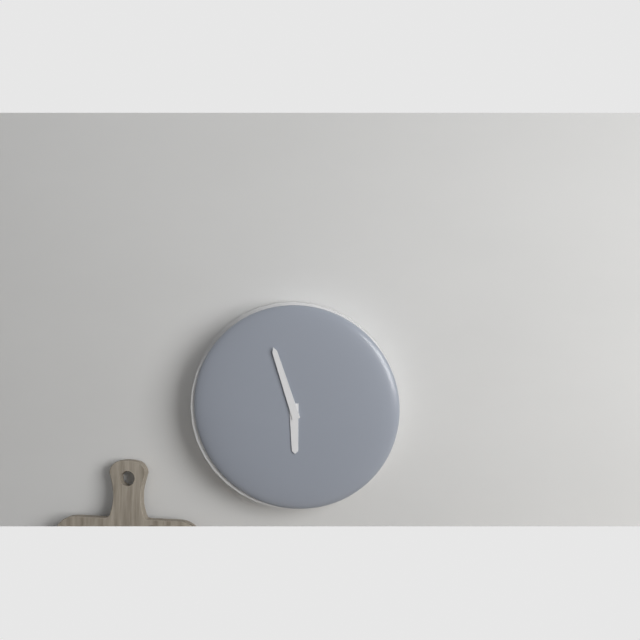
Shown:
5 h 57 min
